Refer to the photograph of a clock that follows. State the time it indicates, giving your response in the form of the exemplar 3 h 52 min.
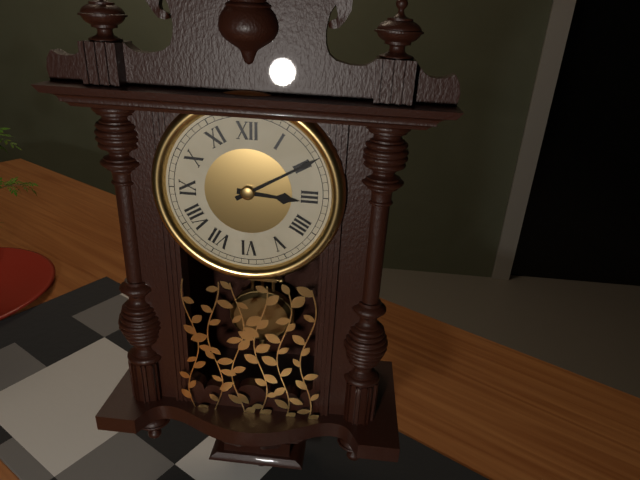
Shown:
3 h 10 min
